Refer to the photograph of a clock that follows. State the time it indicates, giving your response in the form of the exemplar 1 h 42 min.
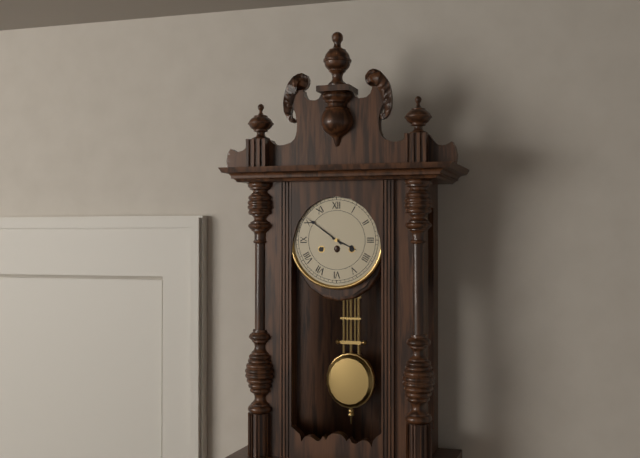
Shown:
3 h 51 min
